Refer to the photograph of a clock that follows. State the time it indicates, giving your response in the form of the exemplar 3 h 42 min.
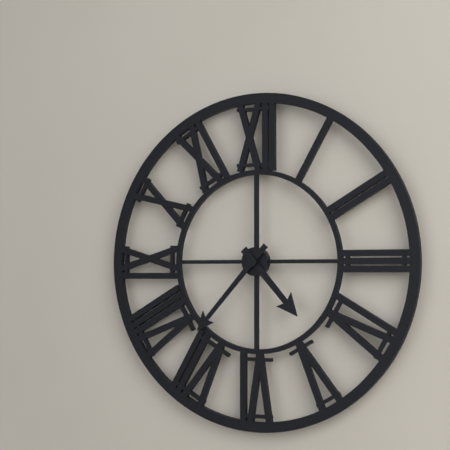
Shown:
4 h 37 min
